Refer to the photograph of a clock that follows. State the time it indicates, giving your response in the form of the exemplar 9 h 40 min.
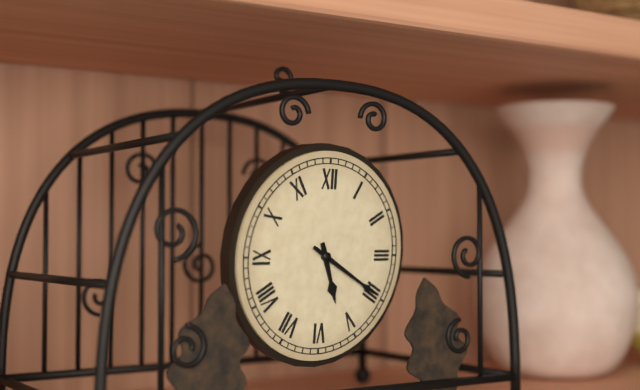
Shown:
5 h 20 min
